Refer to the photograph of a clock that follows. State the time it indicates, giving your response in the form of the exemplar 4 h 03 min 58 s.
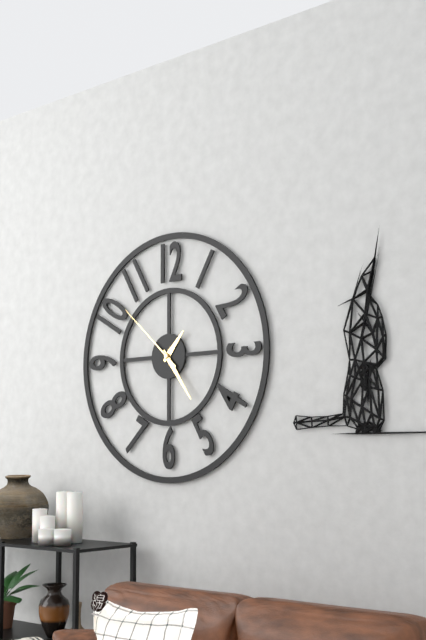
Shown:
1 h 24 min 52 s
